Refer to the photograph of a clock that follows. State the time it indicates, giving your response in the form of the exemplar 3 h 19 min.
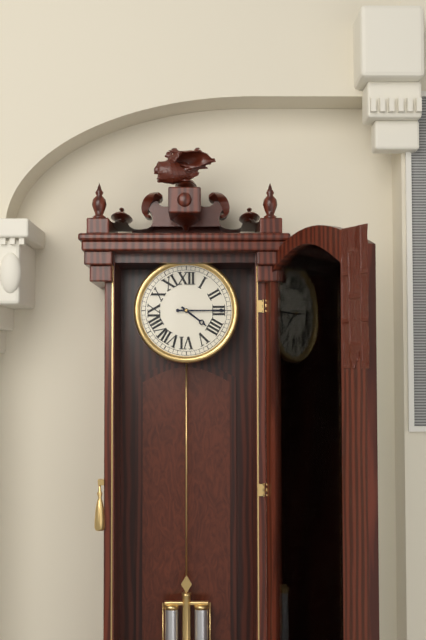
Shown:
4 h 15 min
